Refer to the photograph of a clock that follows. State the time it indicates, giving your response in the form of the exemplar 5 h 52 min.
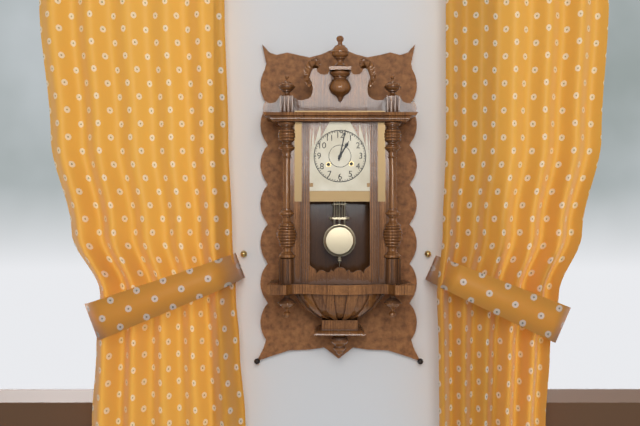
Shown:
1 h 02 min
